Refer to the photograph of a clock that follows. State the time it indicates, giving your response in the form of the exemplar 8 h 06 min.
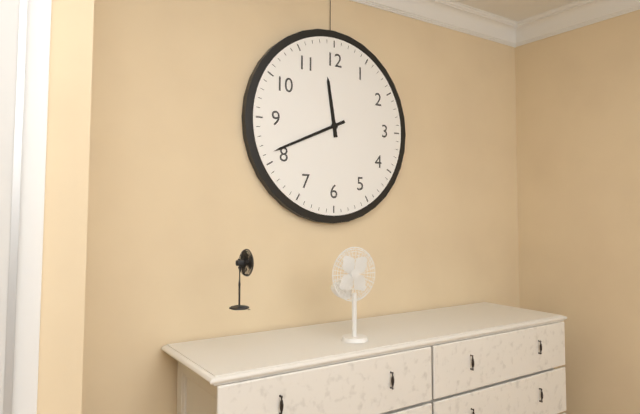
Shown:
11 h 41 min
